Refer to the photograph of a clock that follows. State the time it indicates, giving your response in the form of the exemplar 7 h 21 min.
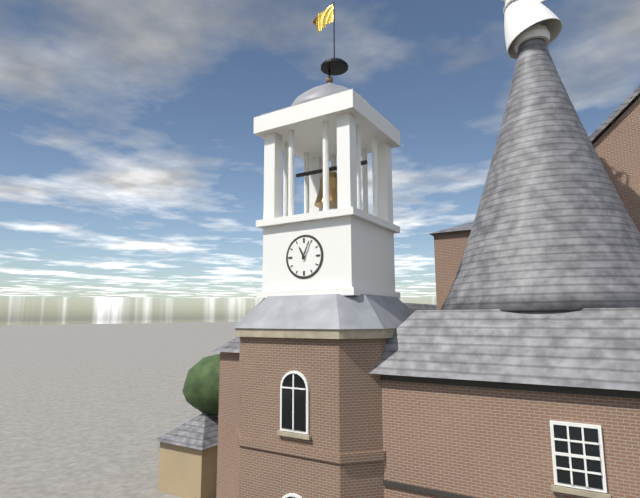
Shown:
11 h 04 min
